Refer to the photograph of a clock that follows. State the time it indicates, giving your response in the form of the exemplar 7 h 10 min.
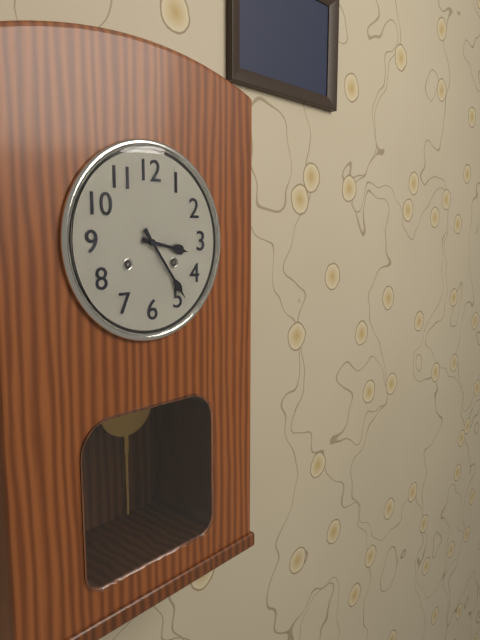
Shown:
3 h 24 min
